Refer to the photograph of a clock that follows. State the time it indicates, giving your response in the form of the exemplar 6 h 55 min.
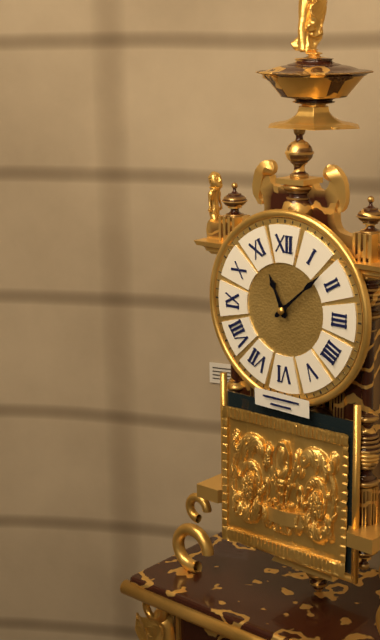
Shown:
11 h 08 min
